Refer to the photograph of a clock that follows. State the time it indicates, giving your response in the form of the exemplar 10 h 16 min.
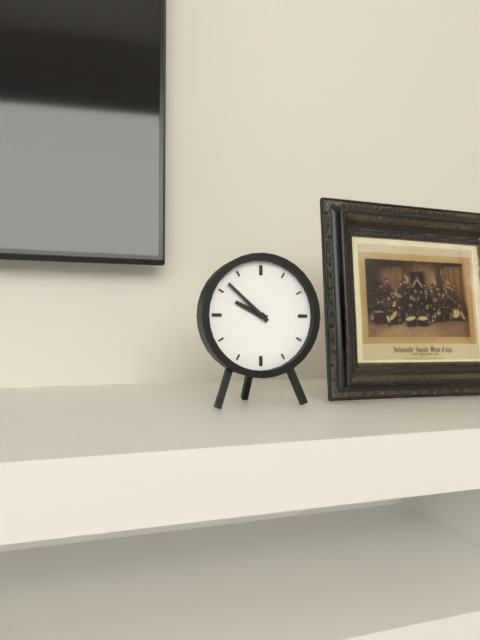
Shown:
9 h 52 min
